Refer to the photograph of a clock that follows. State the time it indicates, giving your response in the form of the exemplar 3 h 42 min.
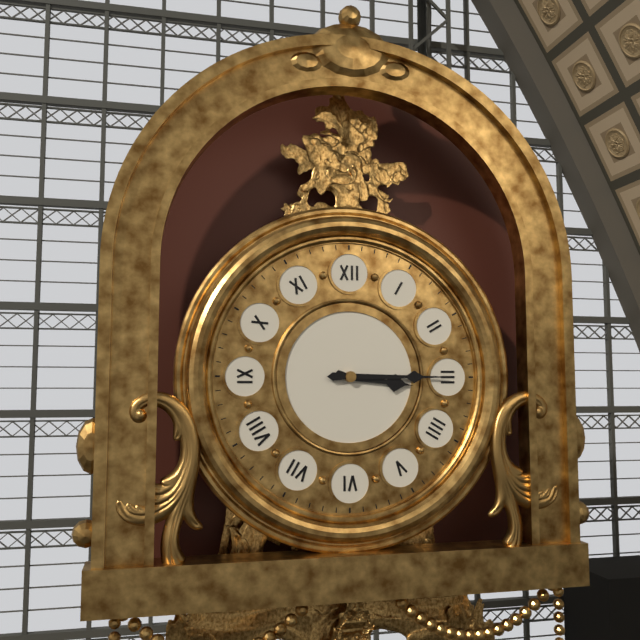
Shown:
3 h 15 min
